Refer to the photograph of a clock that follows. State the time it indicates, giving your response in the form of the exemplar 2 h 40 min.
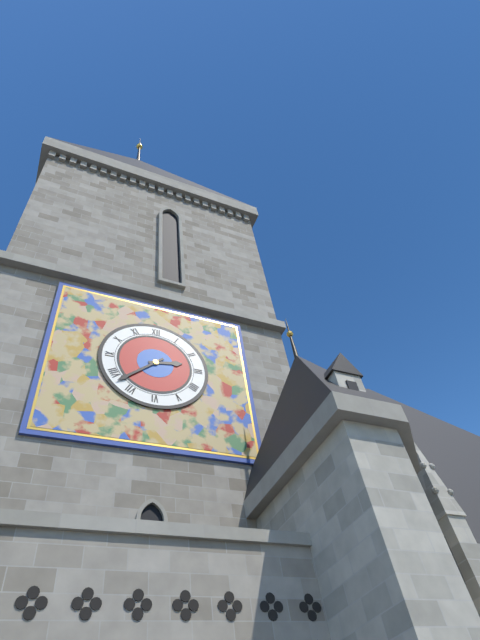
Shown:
2 h 38 min
